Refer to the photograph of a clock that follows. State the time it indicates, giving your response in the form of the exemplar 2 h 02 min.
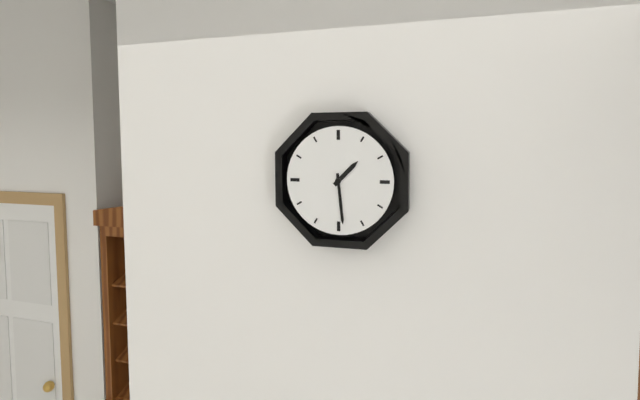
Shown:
1 h 29 min
